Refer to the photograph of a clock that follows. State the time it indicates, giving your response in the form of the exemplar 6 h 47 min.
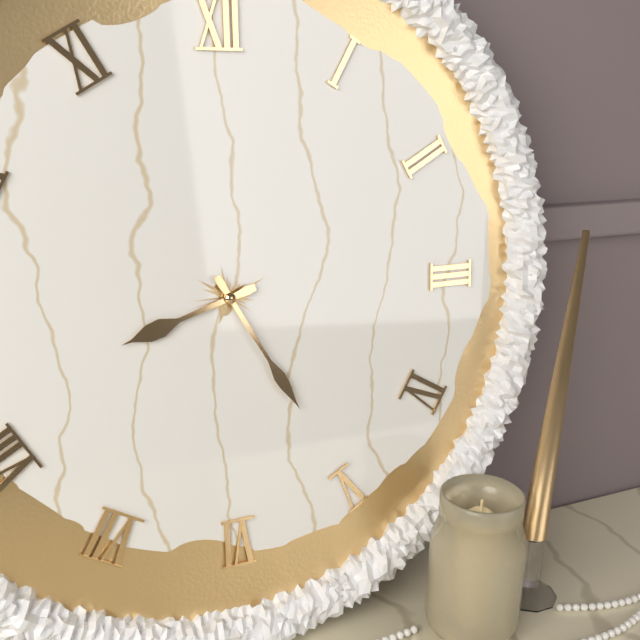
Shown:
8 h 25 min
